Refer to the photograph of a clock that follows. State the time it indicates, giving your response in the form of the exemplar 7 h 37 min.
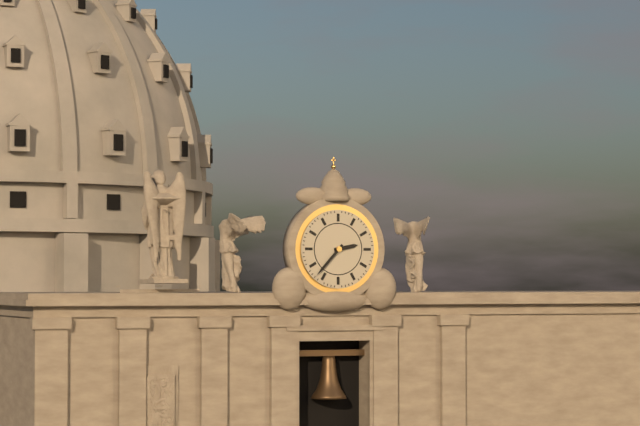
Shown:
2 h 37 min
